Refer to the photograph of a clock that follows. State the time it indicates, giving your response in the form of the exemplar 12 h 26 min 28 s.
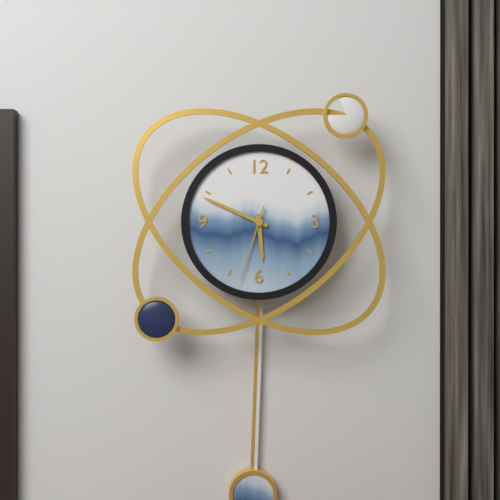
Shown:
5 h 49 min 33 s
